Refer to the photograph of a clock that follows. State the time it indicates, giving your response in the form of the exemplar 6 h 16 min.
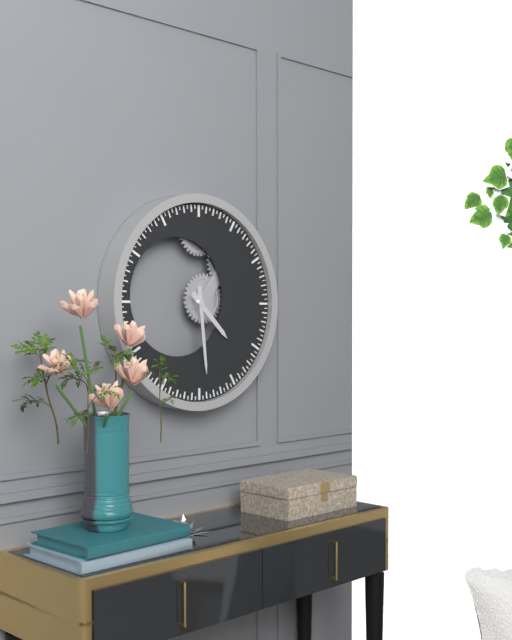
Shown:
4 h 29 min
